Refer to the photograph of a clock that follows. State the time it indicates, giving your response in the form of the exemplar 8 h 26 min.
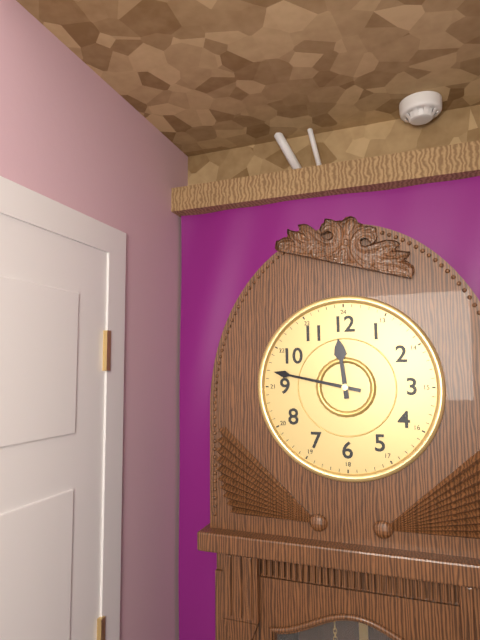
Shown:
11 h 47 min
